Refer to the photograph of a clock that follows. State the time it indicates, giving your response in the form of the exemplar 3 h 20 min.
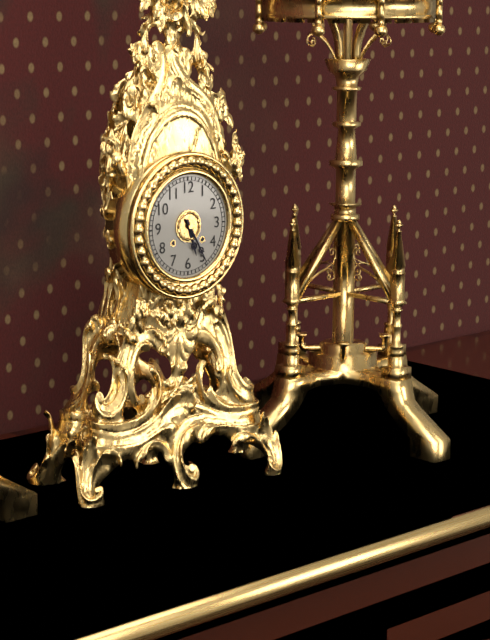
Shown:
5 h 25 min
